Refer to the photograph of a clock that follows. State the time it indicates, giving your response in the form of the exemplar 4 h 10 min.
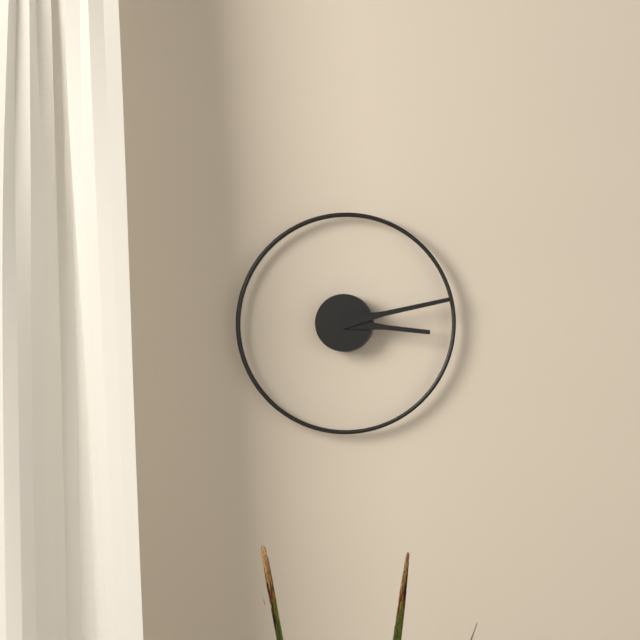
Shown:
3 h 13 min
